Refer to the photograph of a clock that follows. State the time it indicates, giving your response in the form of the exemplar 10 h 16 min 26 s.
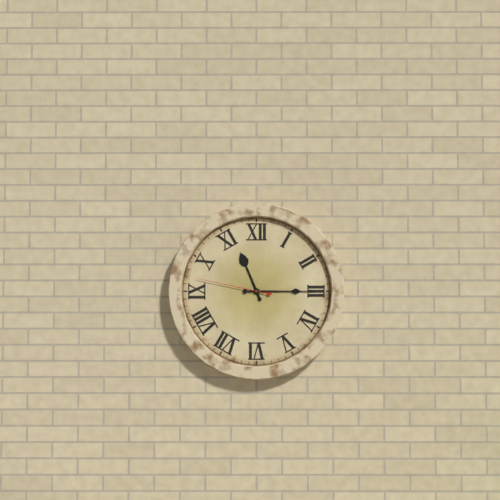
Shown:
11 h 15 min 47 s
